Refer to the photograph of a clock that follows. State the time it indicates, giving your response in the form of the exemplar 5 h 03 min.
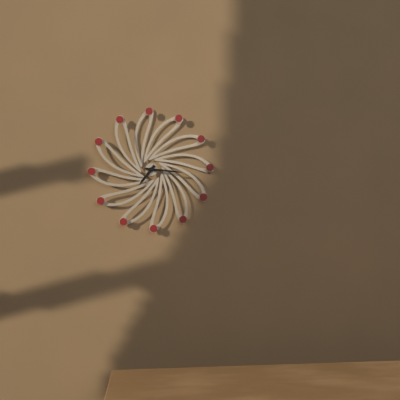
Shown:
7 h 16 min
